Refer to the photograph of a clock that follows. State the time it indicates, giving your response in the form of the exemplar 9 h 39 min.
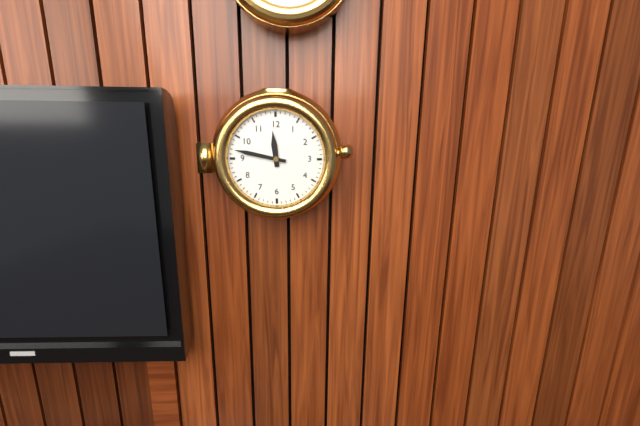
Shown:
11 h 47 min
